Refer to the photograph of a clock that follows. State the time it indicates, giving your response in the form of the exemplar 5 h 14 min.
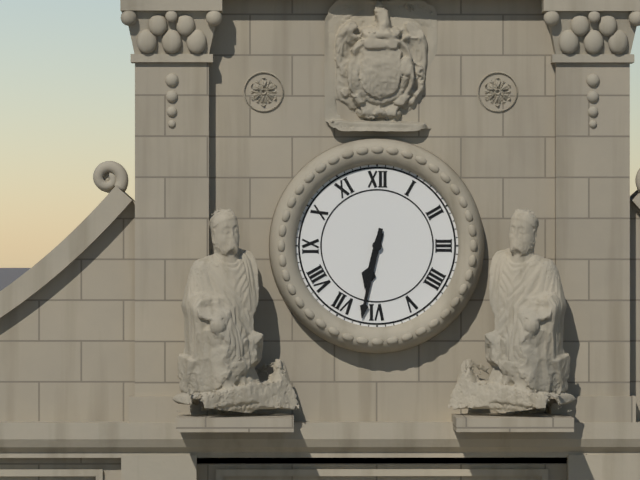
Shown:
6 h 32 min
